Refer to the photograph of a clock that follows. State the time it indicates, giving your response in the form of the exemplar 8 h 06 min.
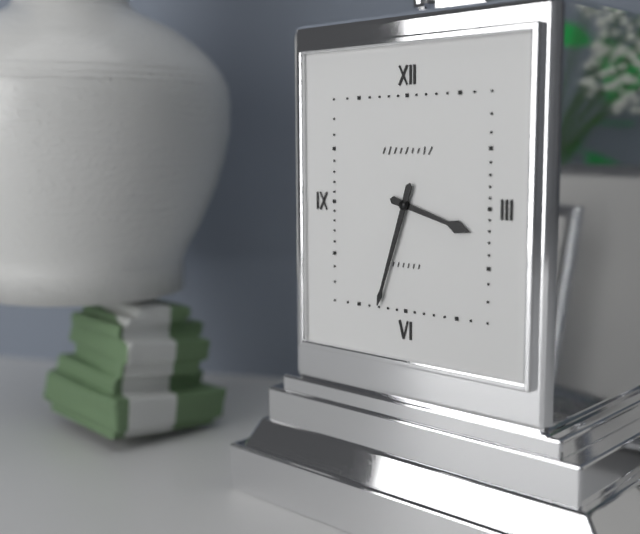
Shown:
3 h 33 min
